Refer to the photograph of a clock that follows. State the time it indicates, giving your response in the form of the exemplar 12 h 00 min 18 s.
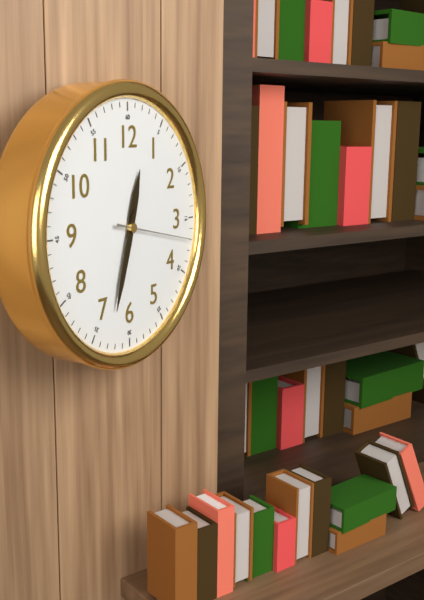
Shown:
12 h 33 min 17 s
